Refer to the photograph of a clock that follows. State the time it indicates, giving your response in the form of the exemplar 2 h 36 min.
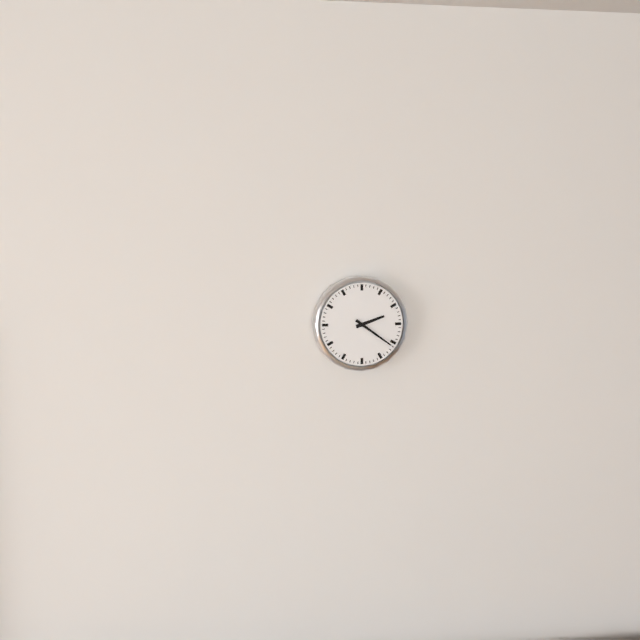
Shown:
2 h 21 min
